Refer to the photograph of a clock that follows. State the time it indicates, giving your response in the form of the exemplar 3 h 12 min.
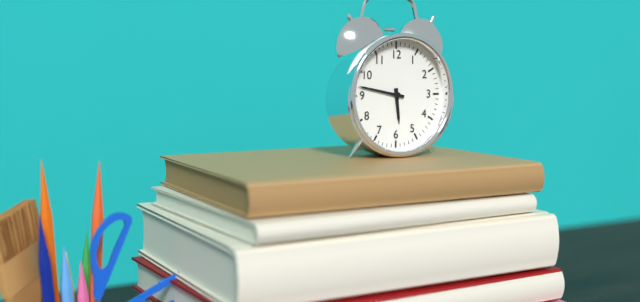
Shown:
5 h 47 min
